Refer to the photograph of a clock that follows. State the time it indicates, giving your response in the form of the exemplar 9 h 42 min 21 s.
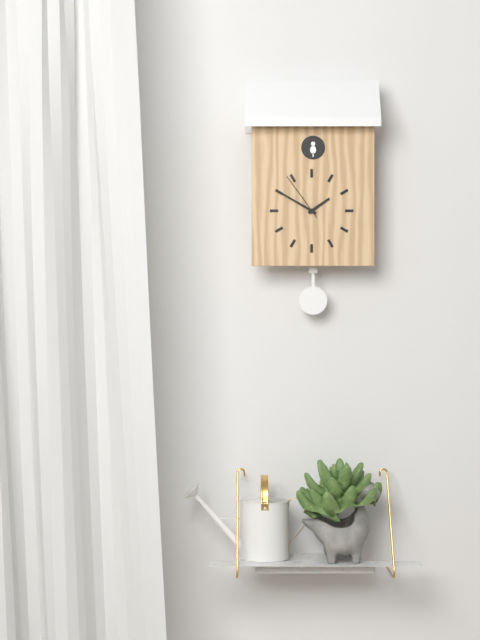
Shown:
1 h 50 min 54 s
